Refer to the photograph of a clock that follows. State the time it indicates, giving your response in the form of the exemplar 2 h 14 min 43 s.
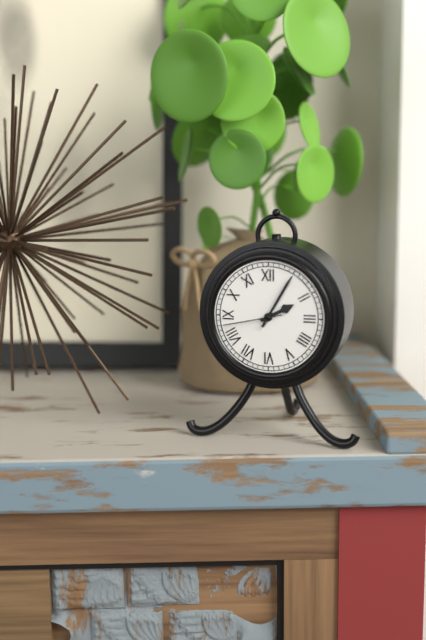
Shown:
2 h 05 min 43 s
